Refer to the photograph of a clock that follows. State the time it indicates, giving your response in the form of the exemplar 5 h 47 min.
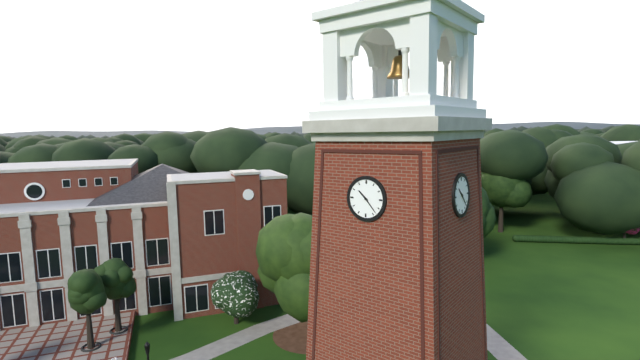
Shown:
10 h 23 min
